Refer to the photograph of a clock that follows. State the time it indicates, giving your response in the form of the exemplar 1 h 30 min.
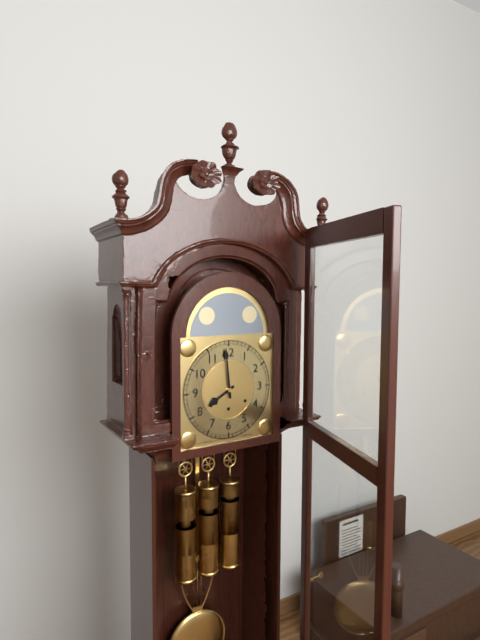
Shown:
7 h 59 min
